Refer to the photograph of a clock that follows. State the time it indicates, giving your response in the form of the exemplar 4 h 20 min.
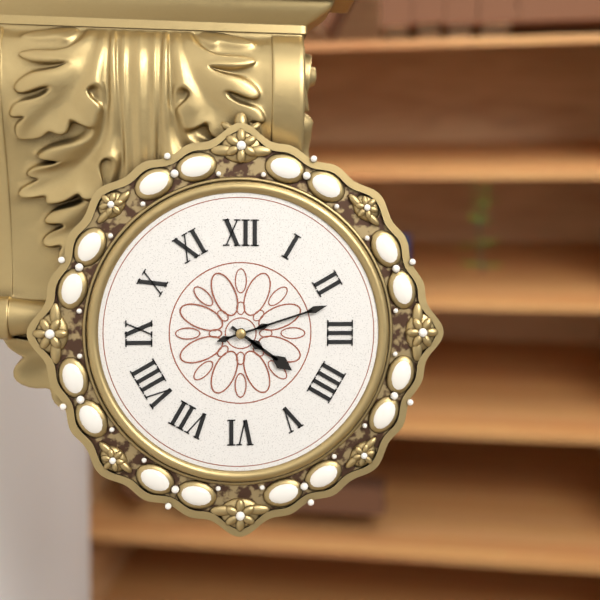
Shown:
4 h 12 min
